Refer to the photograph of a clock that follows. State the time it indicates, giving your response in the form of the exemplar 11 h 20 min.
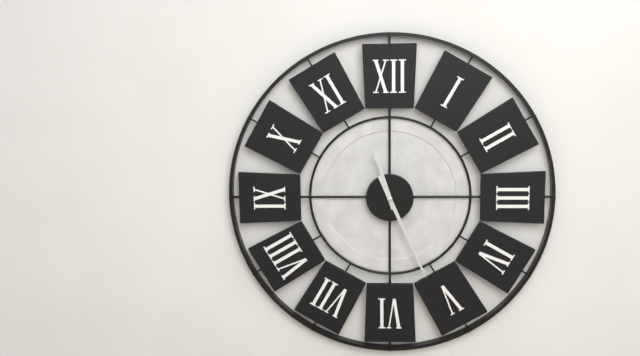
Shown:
11 h 26 min
